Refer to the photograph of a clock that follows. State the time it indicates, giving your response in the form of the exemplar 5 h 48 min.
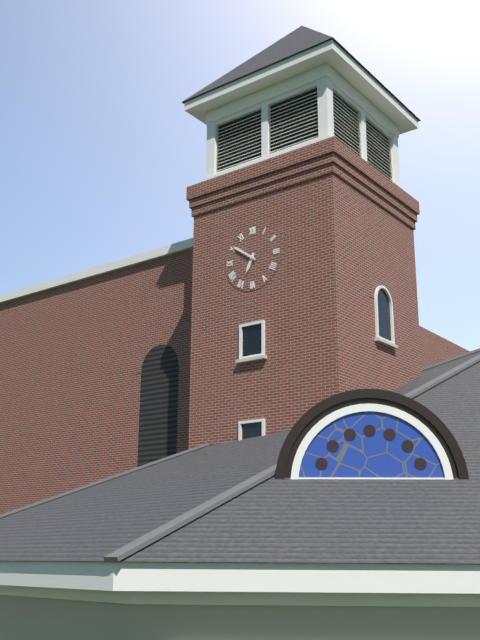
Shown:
6 h 51 min
